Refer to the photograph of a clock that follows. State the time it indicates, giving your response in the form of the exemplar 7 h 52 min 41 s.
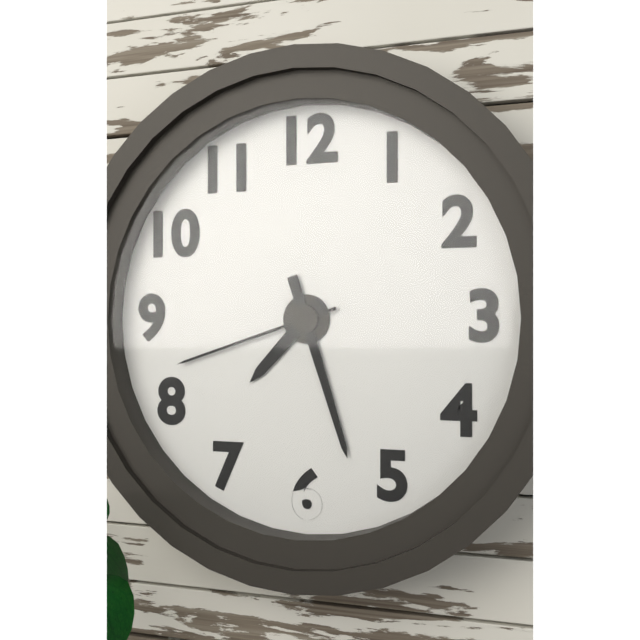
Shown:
7 h 27 min 42 s
